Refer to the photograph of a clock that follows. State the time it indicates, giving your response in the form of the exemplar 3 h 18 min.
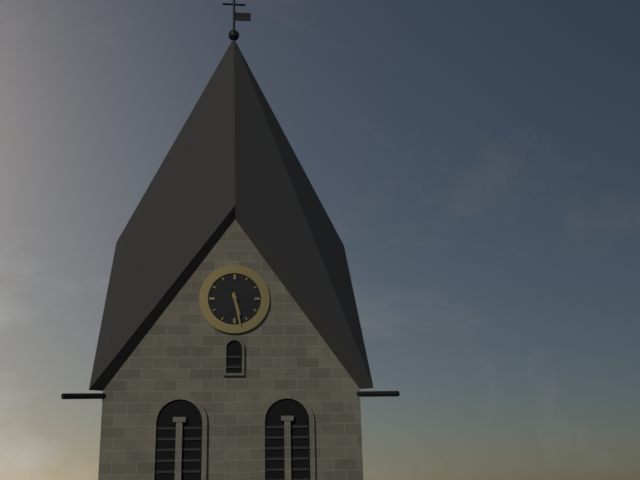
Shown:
5 h 28 min
